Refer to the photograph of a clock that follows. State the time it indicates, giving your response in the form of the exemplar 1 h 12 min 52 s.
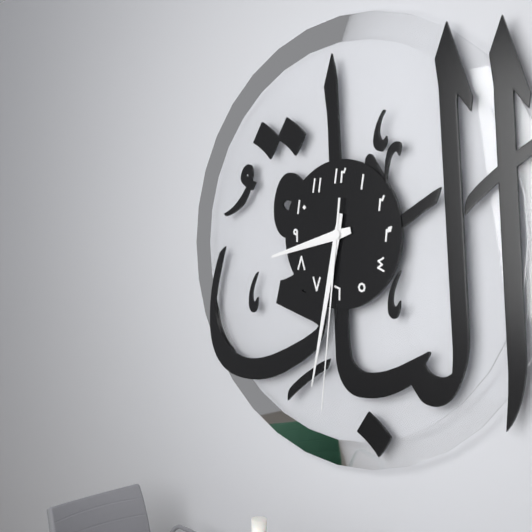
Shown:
8 h 32 min 31 s
